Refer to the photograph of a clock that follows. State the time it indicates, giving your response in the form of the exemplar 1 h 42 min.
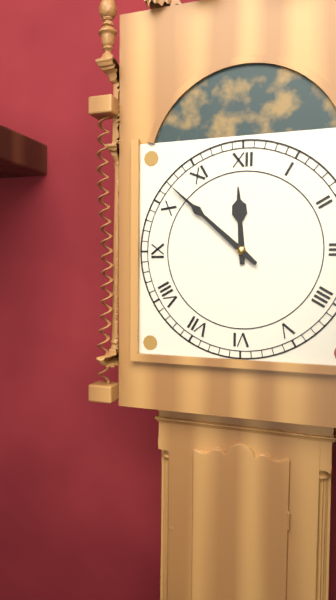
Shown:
11 h 52 min
